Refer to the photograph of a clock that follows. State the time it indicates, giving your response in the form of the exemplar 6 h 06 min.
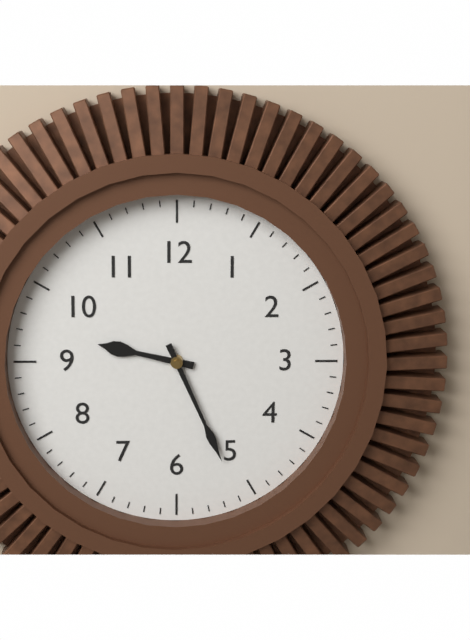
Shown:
9 h 26 min
